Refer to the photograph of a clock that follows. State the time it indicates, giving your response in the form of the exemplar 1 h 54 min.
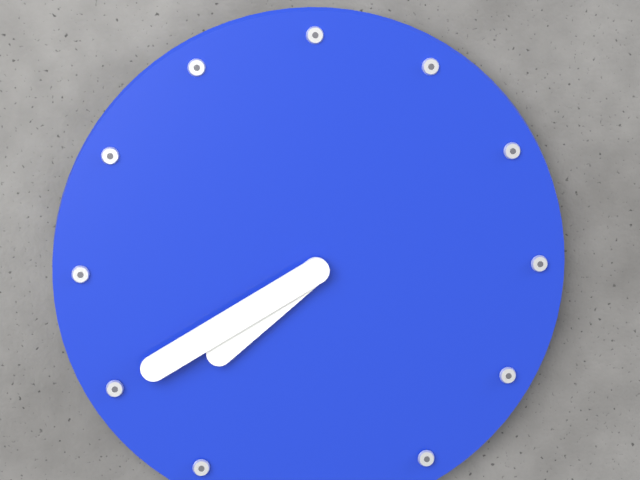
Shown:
7 h 40 min
